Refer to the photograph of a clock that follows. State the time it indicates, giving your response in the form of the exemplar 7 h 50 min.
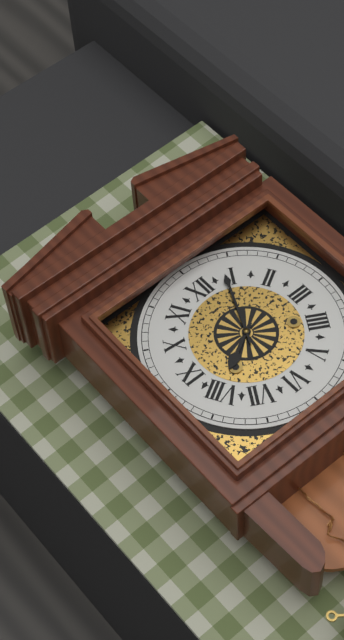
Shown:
8 h 04 min
